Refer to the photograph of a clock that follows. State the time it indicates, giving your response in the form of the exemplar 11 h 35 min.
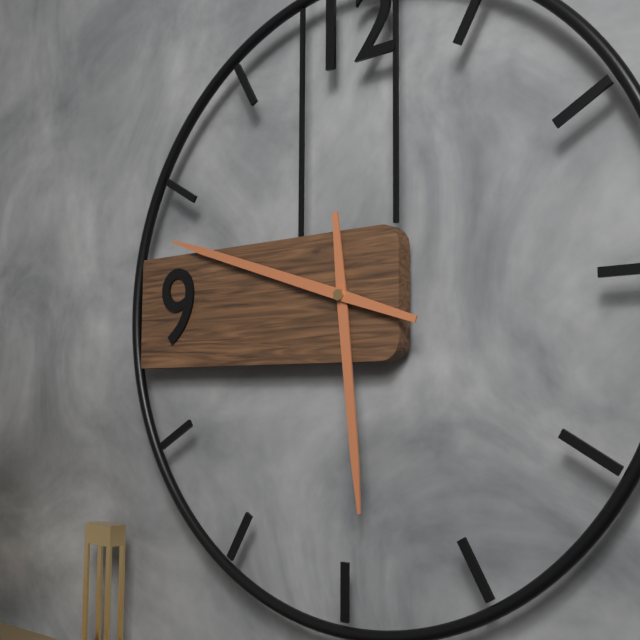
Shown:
5 h 48 min
